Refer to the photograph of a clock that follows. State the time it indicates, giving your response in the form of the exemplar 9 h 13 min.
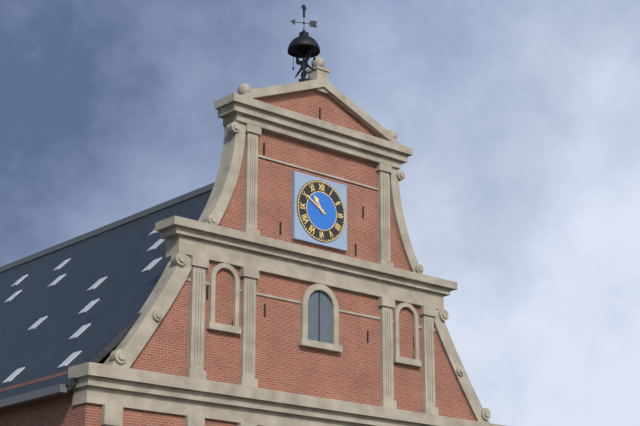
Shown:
10 h 50 min
